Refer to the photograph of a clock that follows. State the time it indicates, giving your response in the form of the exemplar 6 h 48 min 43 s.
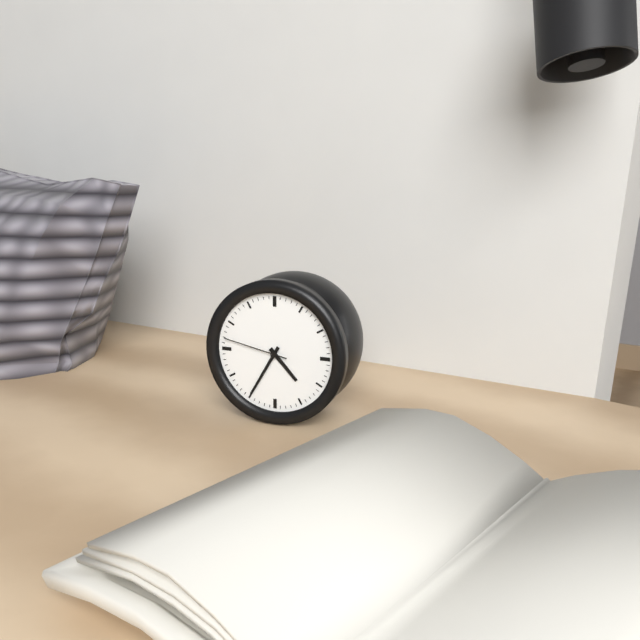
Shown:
4 h 35 min 47 s
